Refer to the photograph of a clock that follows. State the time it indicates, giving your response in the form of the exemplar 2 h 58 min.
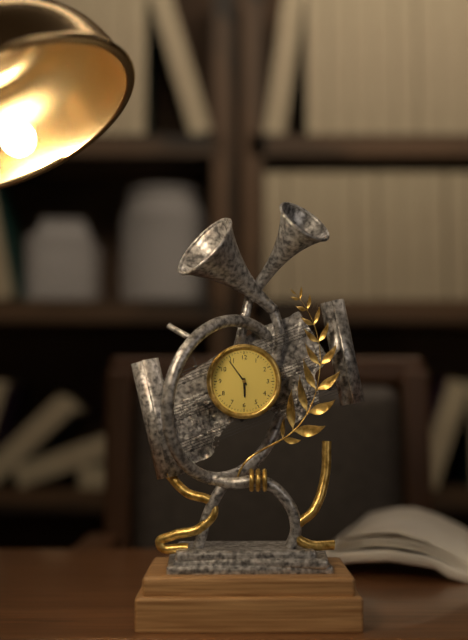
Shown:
5 h 54 min
